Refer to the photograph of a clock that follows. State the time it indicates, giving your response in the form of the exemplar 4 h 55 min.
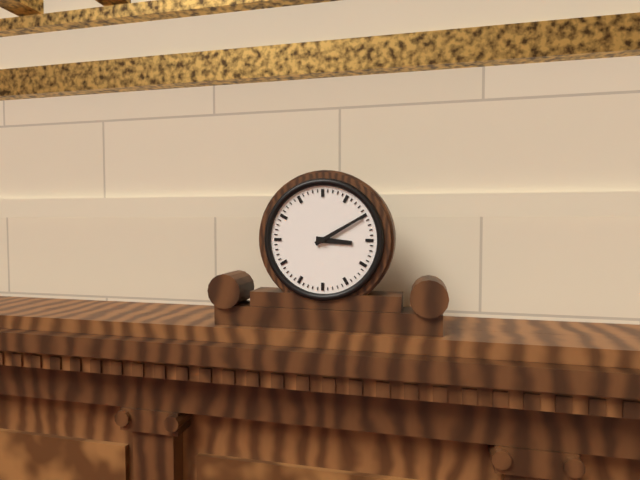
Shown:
3 h 10 min
